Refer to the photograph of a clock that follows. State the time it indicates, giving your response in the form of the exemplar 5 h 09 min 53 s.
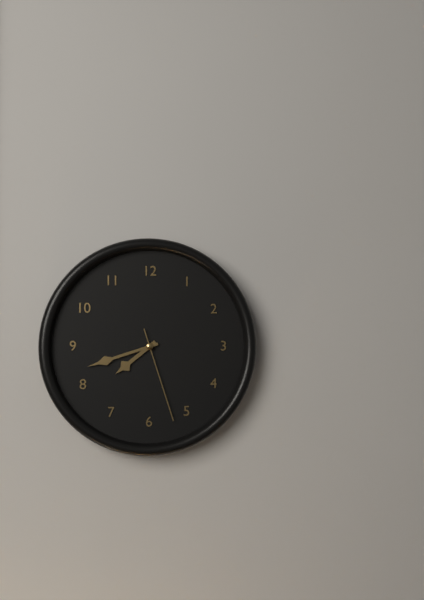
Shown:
7 h 42 min 27 s
